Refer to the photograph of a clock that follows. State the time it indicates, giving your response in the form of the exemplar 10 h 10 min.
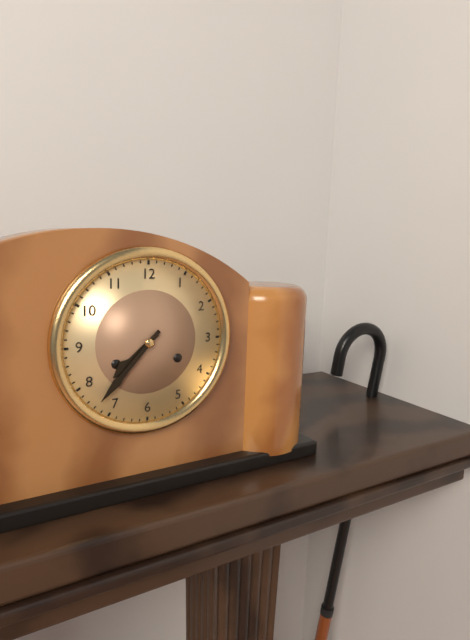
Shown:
7 h 37 min
